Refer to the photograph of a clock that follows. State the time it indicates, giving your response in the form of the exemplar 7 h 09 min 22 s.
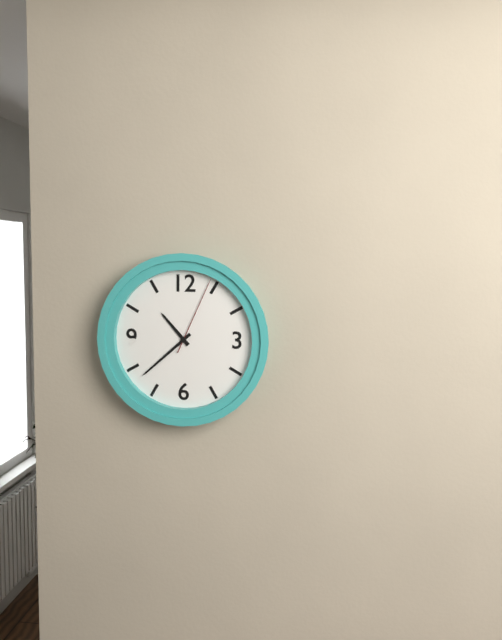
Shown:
10 h 38 min 04 s
